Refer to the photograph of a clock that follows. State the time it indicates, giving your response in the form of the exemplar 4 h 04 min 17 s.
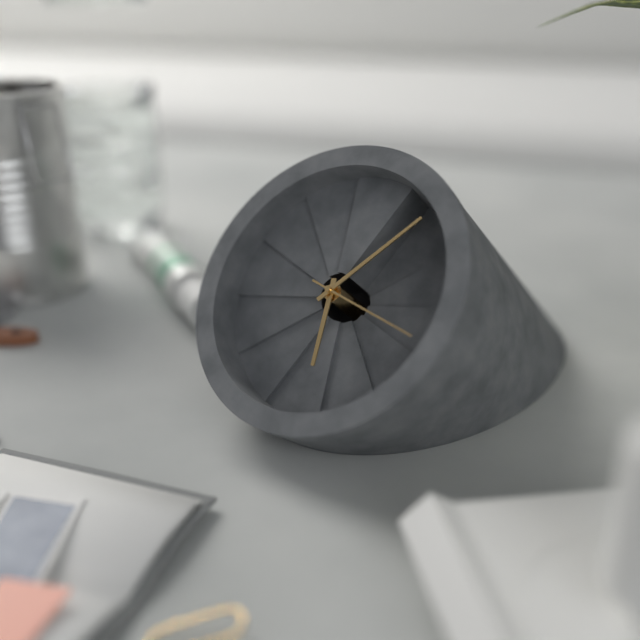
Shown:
5 h 03 min 14 s
